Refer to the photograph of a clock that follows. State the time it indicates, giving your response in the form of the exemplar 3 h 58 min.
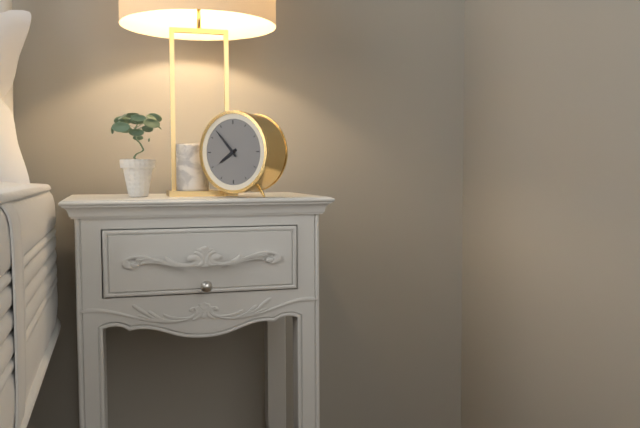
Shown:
7 h 53 min
